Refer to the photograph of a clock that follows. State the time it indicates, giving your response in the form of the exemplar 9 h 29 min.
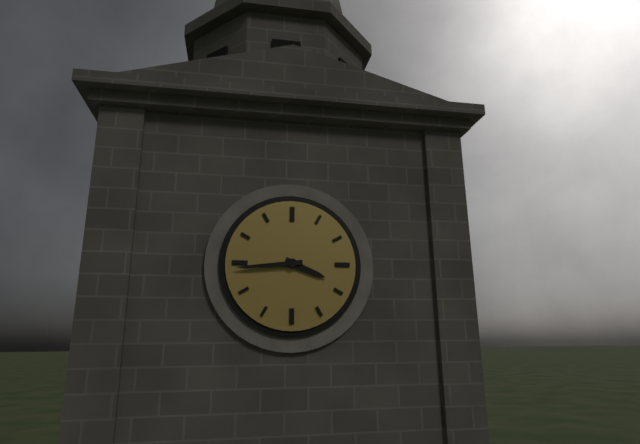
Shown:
3 h 44 min
